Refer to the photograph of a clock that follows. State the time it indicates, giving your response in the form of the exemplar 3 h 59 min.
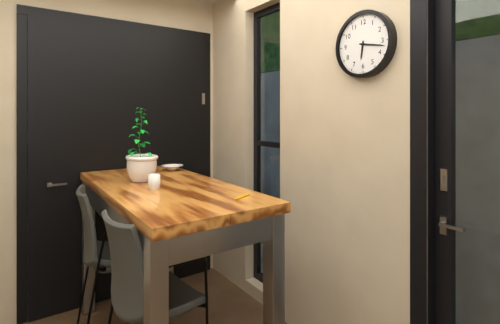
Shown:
6 h 17 min
